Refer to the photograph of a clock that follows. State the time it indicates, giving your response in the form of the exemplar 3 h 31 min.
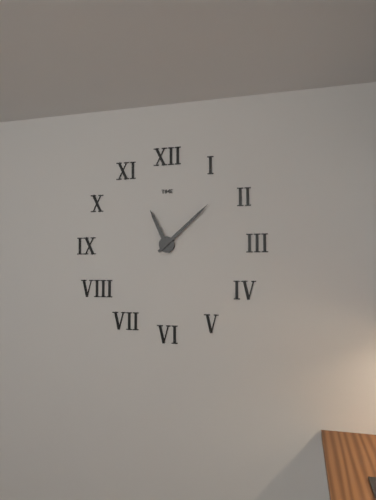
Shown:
11 h 08 min
